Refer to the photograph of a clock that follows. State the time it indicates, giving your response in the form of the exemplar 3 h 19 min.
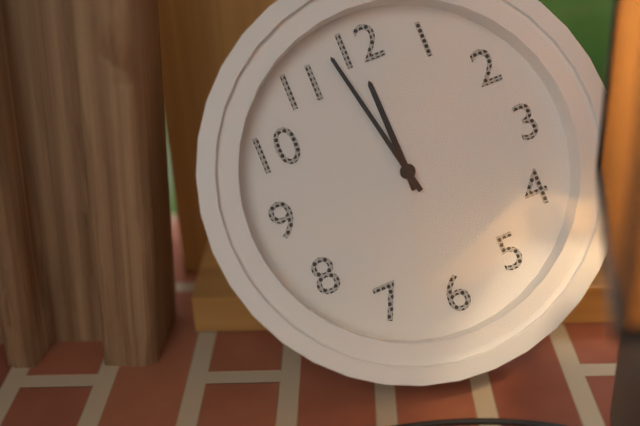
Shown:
11 h 58 min
